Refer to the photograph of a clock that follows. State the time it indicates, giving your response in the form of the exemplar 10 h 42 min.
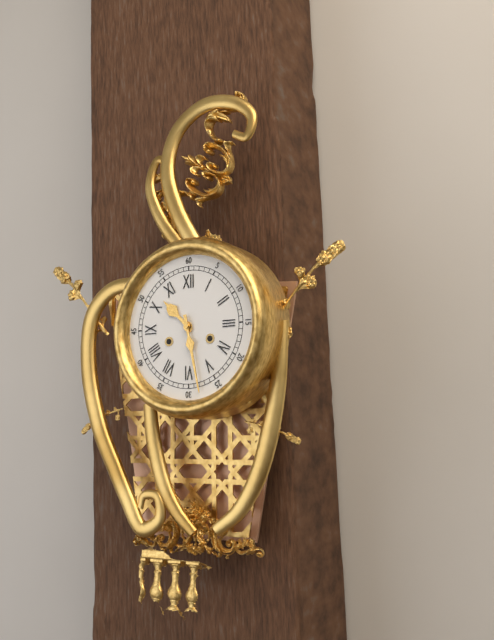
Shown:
10 h 28 min
